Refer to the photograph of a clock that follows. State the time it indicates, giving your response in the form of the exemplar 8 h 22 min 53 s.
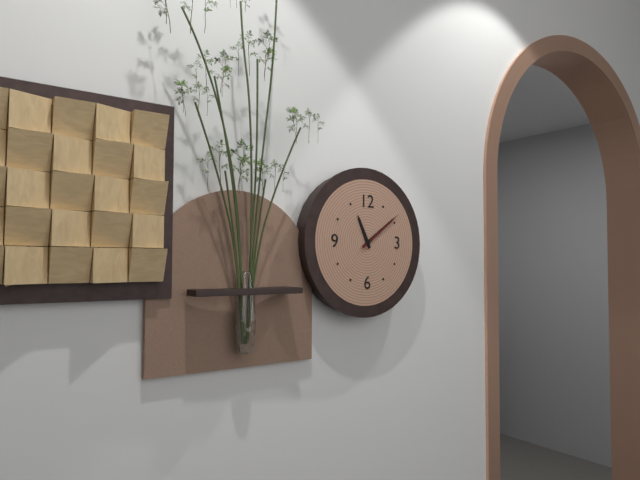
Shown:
11 h 09 min 09 s
